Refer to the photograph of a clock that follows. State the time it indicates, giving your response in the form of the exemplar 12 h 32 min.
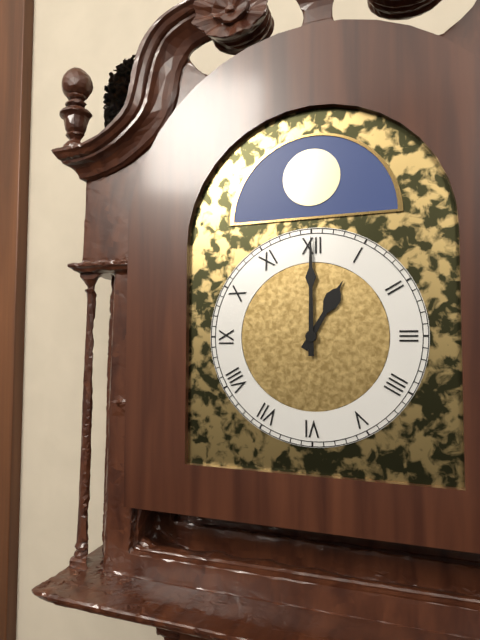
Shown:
1 h 00 min
